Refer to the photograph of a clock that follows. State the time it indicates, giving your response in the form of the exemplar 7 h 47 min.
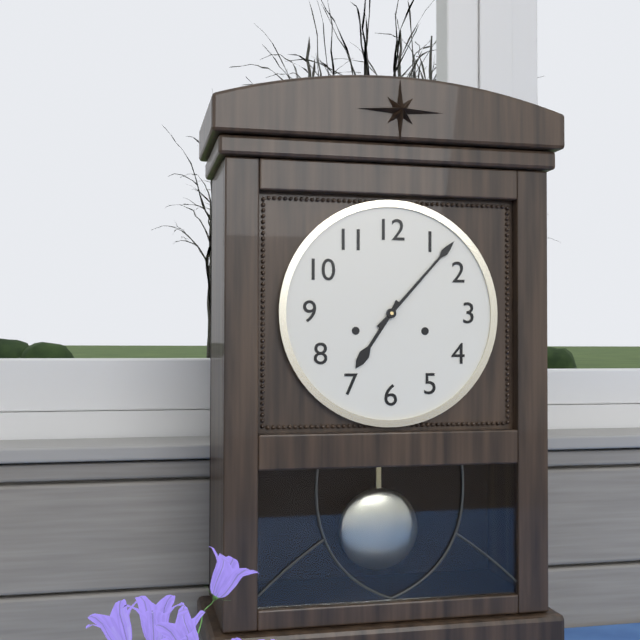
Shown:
7 h 07 min
